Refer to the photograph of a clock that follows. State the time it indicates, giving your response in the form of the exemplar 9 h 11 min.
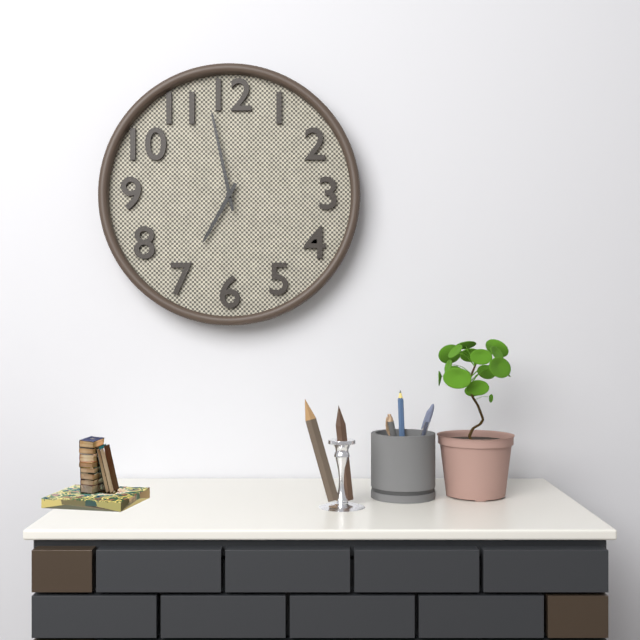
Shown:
6 h 58 min
